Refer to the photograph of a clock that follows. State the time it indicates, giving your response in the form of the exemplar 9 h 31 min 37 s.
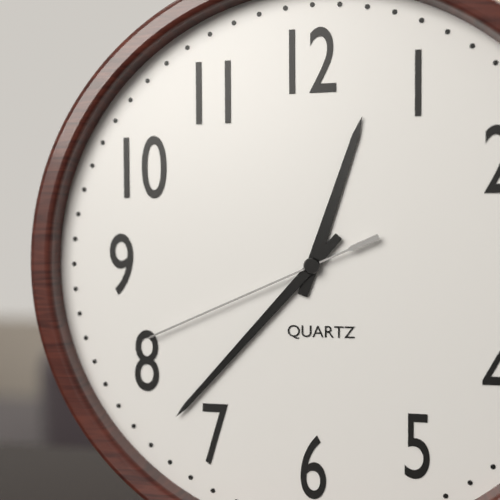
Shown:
12 h 37 min 41 s
